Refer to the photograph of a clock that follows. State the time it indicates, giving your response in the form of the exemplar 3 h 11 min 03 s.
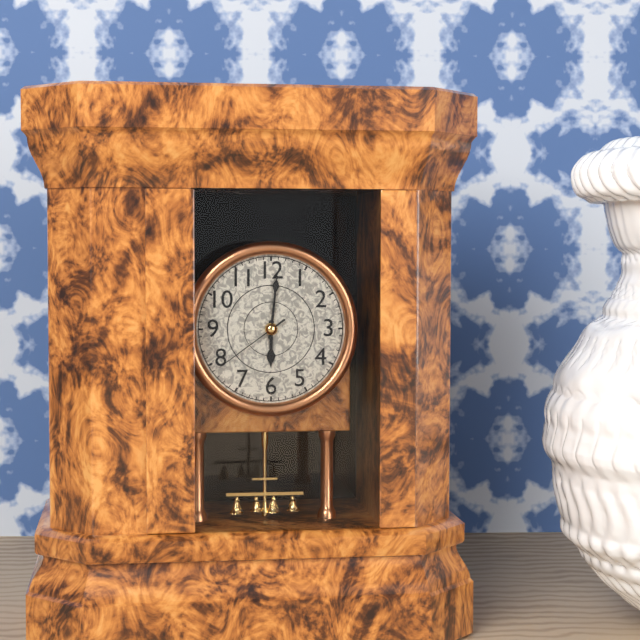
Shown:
6 h 01 min 39 s
